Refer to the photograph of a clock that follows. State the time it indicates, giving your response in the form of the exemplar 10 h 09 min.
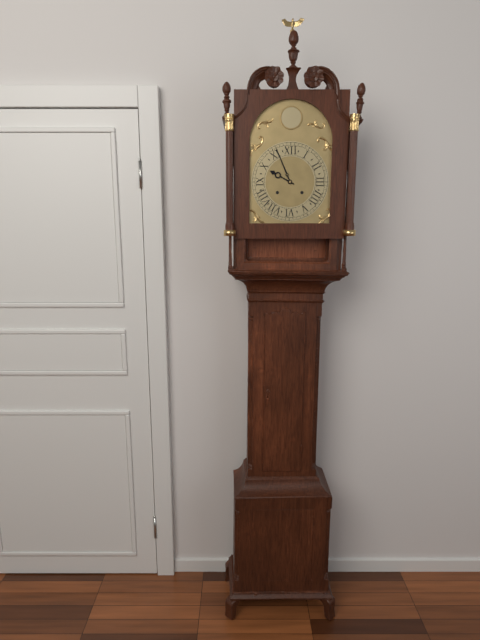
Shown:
9 h 56 min
